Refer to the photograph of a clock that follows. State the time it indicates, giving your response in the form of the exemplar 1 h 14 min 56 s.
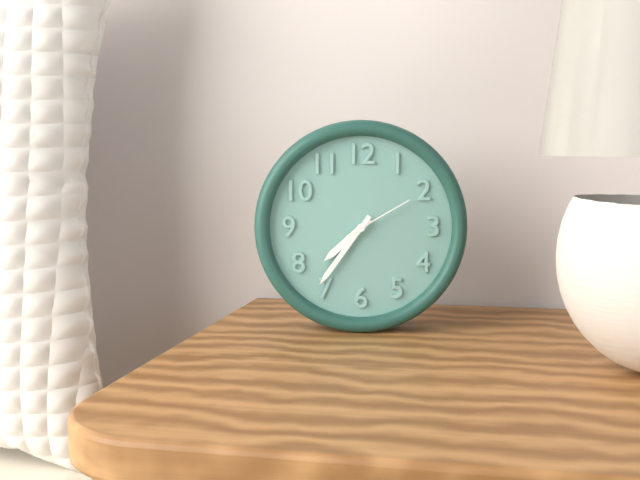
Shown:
7 h 36 min 10 s
